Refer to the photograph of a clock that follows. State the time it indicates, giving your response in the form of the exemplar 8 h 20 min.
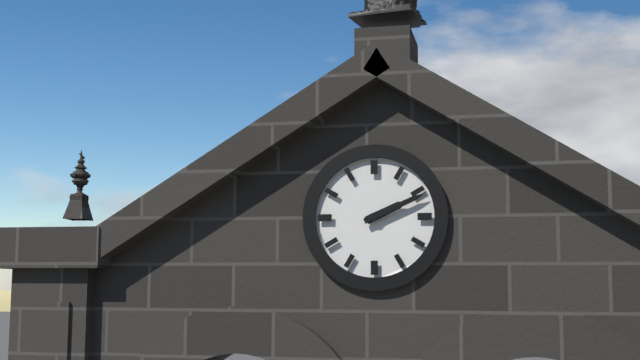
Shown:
2 h 11 min
